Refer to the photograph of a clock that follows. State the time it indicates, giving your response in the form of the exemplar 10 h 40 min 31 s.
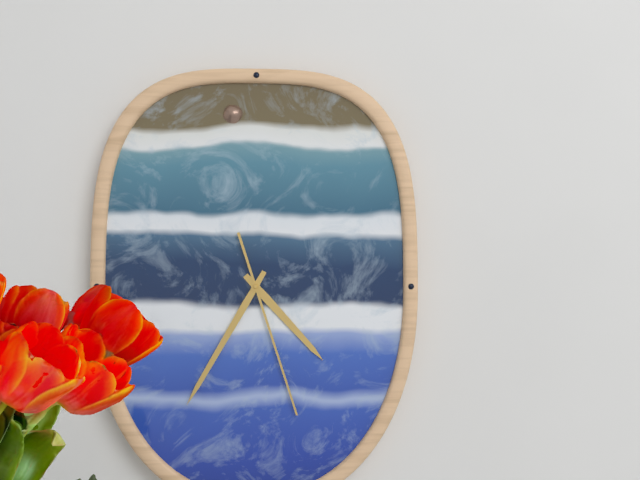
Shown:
4 h 35 min 27 s
